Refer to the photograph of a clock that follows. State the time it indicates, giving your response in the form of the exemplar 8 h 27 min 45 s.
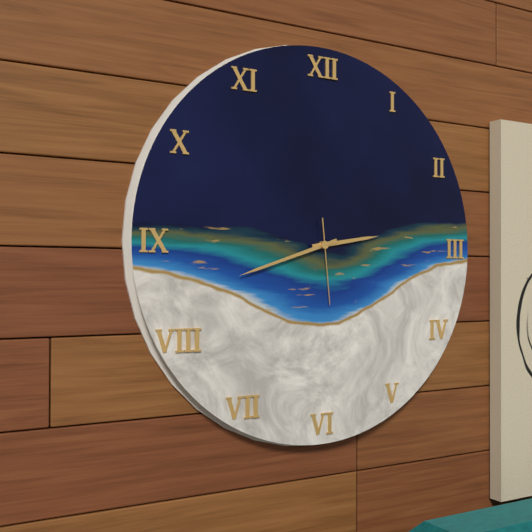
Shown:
2 h 42 min 29 s
